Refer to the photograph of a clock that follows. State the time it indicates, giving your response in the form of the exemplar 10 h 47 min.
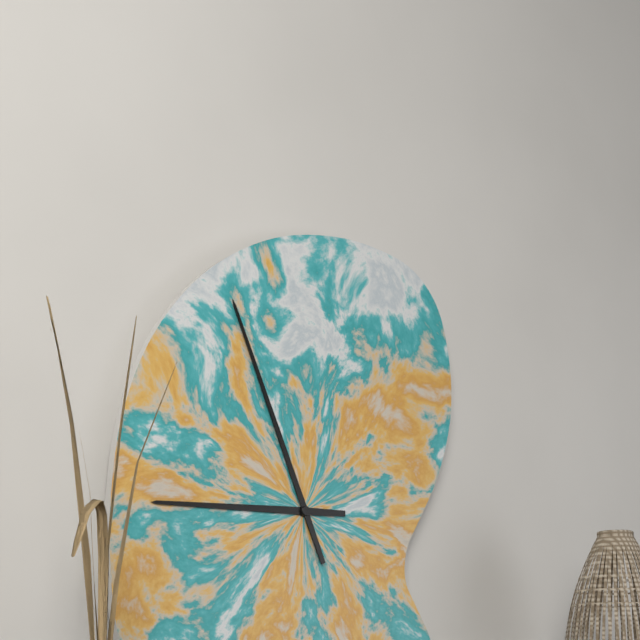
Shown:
8 h 56 min
